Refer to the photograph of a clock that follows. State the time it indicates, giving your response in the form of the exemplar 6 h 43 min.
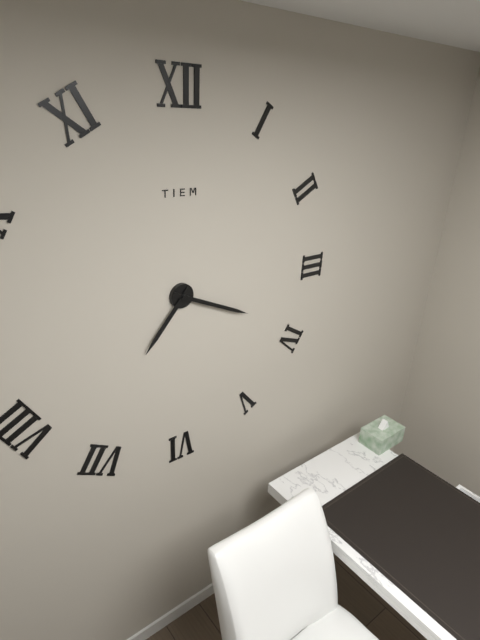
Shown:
7 h 19 min
